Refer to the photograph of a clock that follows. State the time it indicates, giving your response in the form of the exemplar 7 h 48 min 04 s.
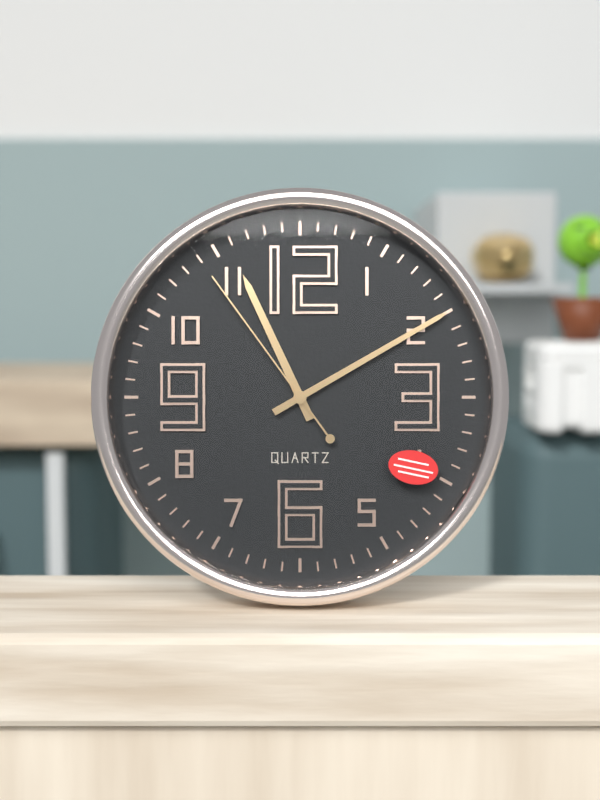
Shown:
11 h 10 min 54 s
